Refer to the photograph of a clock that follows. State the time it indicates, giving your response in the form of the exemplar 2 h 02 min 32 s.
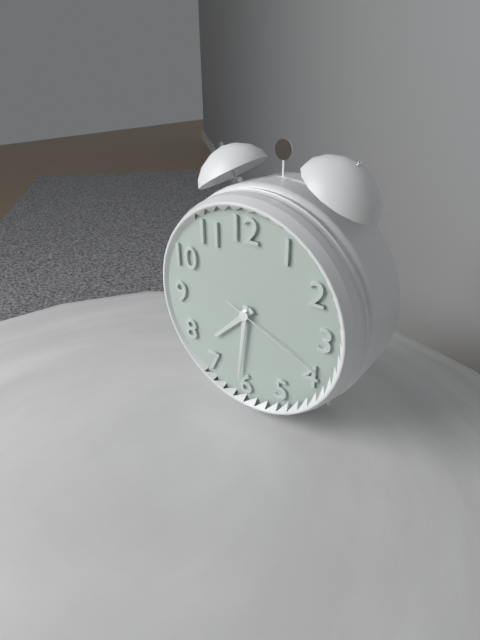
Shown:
7 h 31 min 19 s
